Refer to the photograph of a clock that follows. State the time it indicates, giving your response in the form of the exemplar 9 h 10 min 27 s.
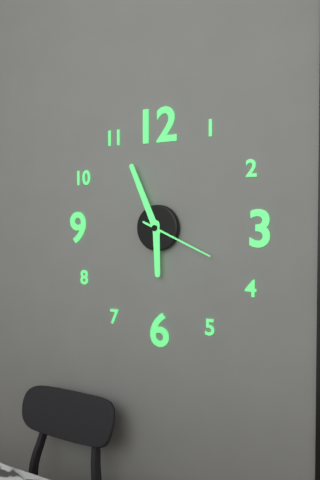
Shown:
5 h 56 min 19 s
